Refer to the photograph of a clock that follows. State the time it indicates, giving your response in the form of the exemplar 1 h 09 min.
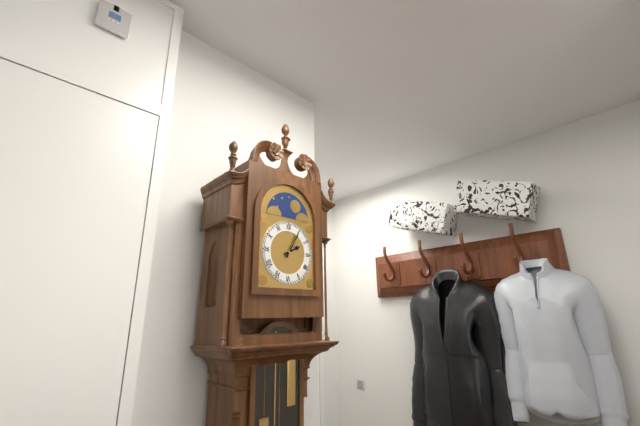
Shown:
2 h 05 min
